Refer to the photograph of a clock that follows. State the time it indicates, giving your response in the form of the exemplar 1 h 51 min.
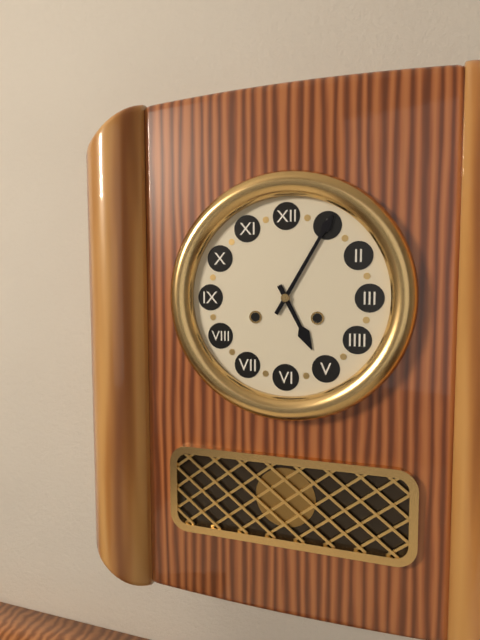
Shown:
5 h 05 min
